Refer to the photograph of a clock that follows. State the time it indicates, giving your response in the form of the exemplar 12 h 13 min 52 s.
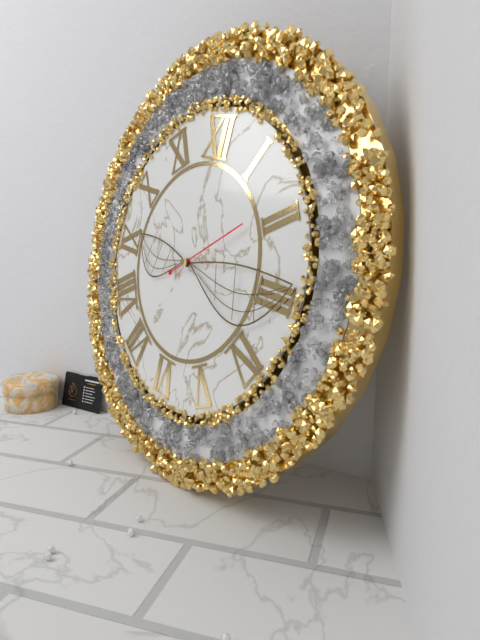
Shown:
9 h 14 min 09 s
